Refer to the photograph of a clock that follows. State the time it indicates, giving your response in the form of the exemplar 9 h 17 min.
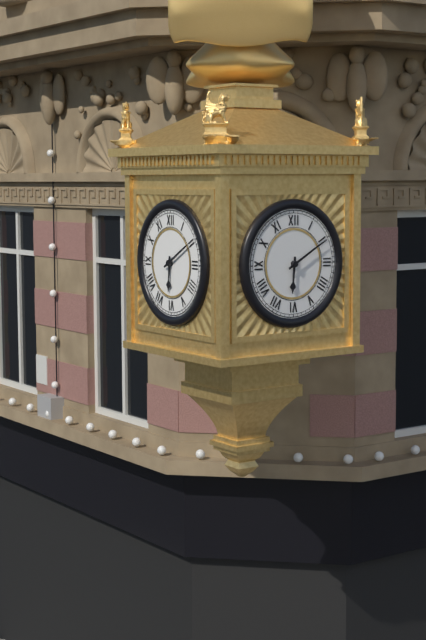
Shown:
6 h 10 min
